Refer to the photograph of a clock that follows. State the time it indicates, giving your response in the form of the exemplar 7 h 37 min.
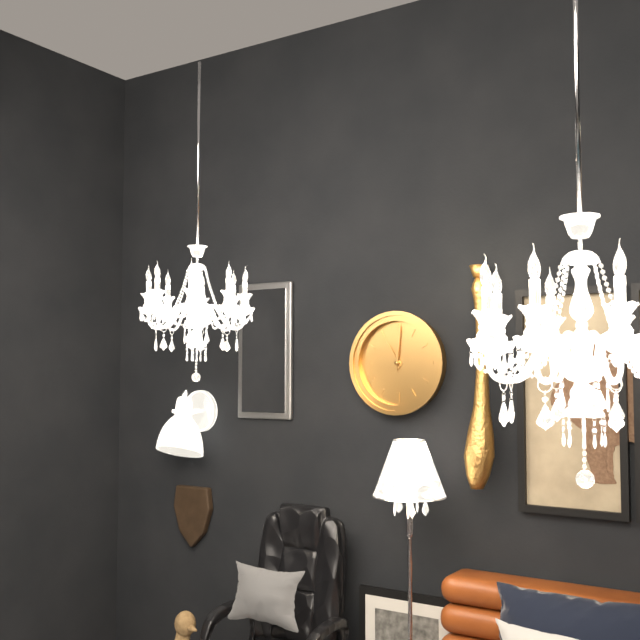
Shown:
11 h 01 min
